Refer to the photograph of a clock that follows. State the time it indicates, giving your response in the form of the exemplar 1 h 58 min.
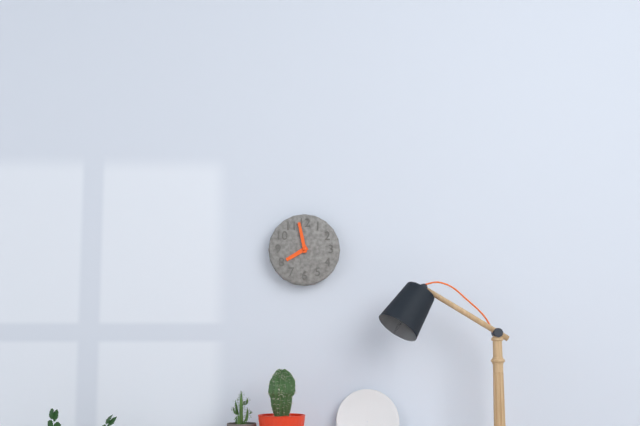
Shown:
7 h 58 min
